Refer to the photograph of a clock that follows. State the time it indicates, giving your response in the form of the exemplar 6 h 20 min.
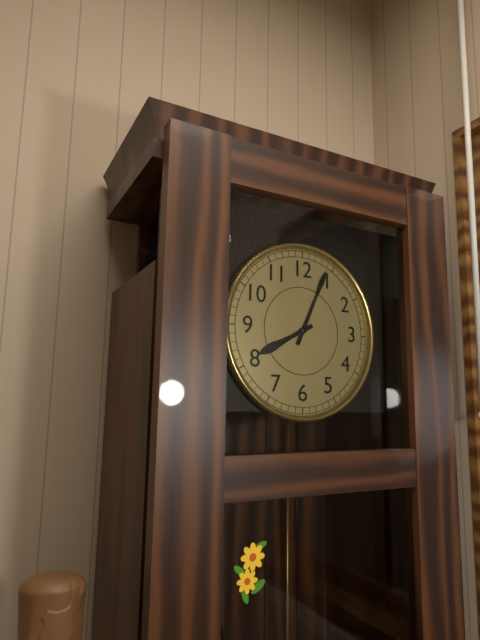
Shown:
8 h 04 min
